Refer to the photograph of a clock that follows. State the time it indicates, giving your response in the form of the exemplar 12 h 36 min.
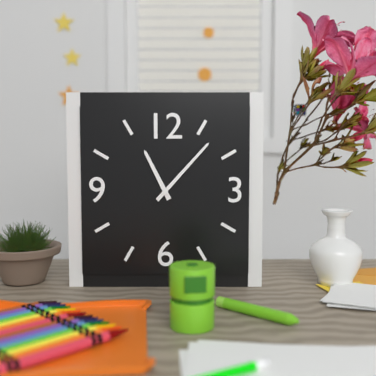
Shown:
11 h 07 min
